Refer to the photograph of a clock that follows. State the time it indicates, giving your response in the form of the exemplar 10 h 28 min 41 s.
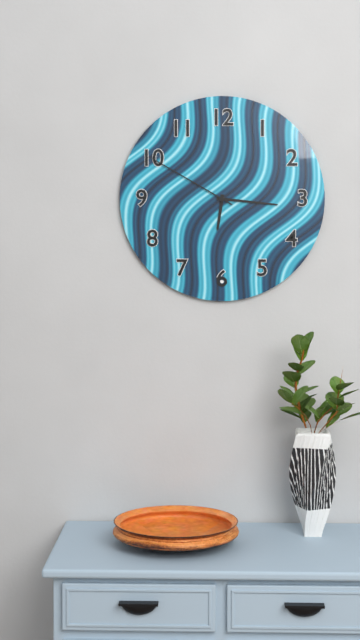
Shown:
6 h 16 min 50 s
